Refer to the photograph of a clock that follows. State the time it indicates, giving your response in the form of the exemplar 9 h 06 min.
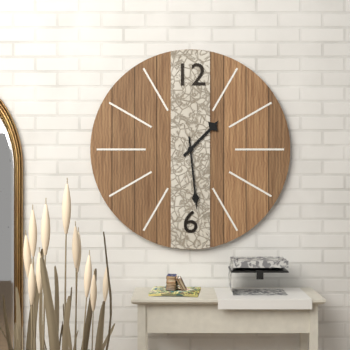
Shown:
1 h 29 min
